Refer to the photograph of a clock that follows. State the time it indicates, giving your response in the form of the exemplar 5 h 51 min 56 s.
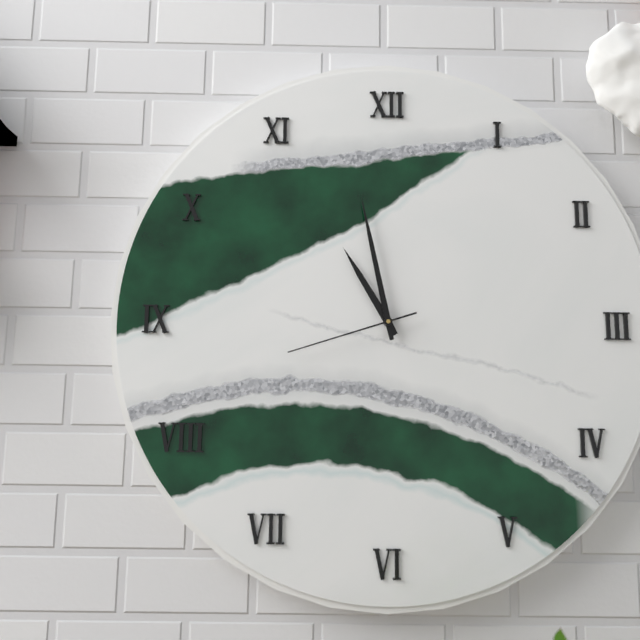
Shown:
10 h 58 min 42 s
